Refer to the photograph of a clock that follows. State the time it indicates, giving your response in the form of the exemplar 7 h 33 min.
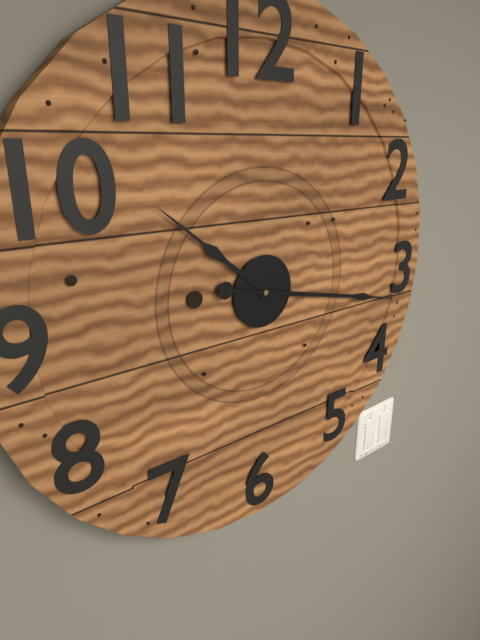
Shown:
10 h 17 min
